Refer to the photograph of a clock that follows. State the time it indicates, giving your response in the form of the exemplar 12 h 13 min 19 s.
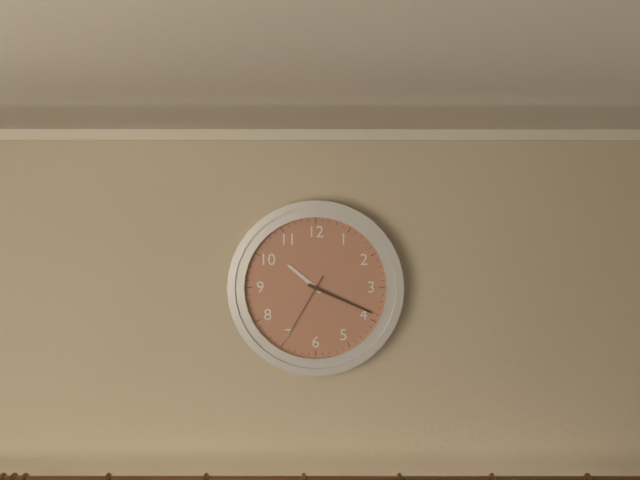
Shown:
10 h 19 min 35 s
